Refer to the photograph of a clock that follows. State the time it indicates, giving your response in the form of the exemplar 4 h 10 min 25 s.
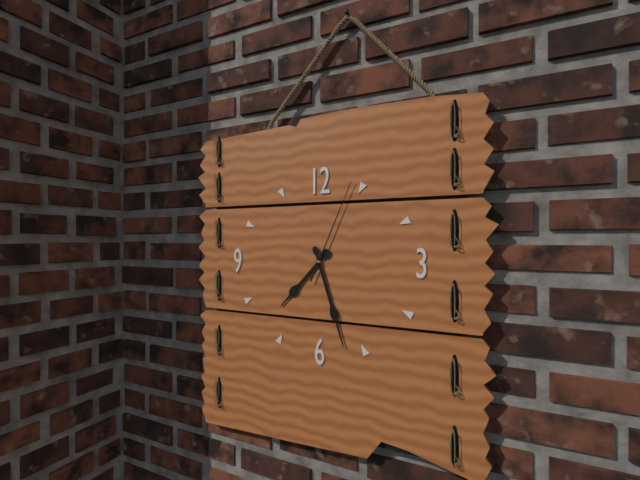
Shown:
7 h 27 min 04 s
